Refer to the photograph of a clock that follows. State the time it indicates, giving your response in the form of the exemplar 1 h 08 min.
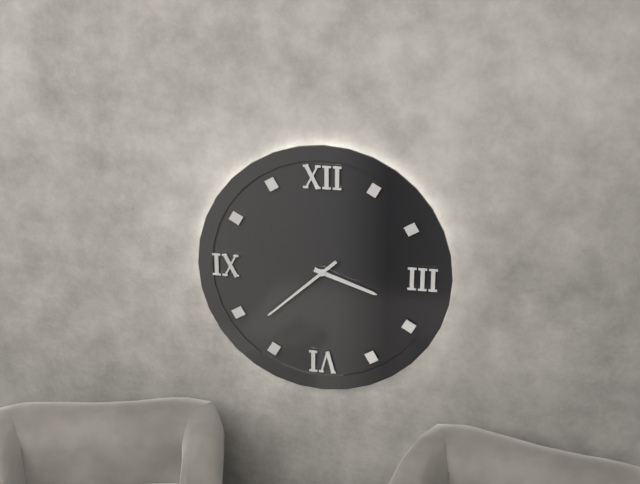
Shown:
3 h 38 min
